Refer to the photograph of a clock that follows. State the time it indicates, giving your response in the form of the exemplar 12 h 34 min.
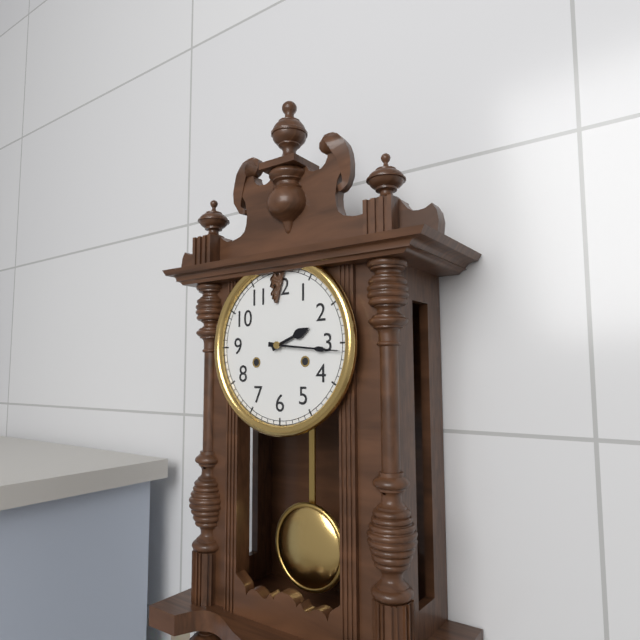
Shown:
2 h 16 min
